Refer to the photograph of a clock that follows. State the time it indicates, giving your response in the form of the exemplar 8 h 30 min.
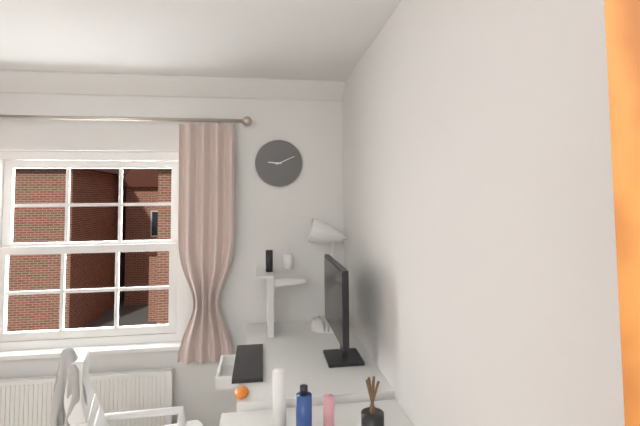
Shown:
9 h 11 min
